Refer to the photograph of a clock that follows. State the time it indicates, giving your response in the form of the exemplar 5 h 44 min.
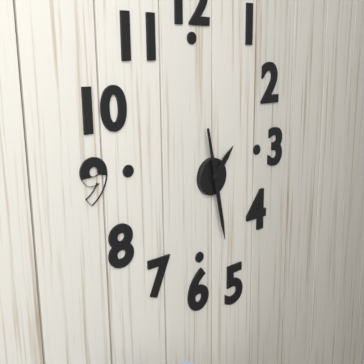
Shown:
1 h 28 min
